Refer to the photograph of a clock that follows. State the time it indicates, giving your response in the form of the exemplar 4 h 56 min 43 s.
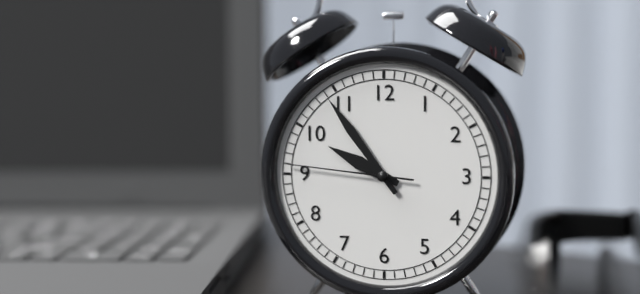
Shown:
9 h 54 min 46 s
